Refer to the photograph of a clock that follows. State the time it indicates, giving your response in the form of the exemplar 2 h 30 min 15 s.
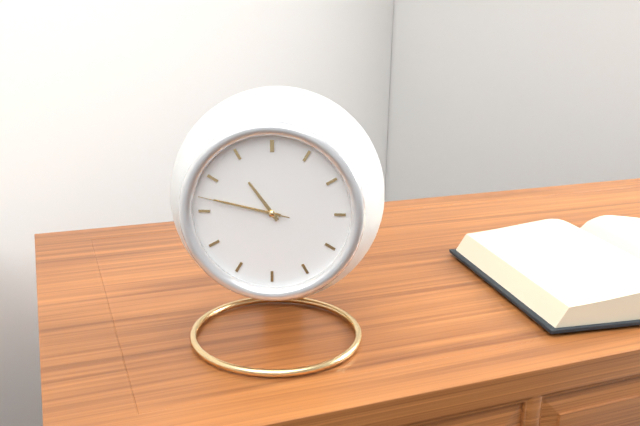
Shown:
10 h 47 min 47 s
